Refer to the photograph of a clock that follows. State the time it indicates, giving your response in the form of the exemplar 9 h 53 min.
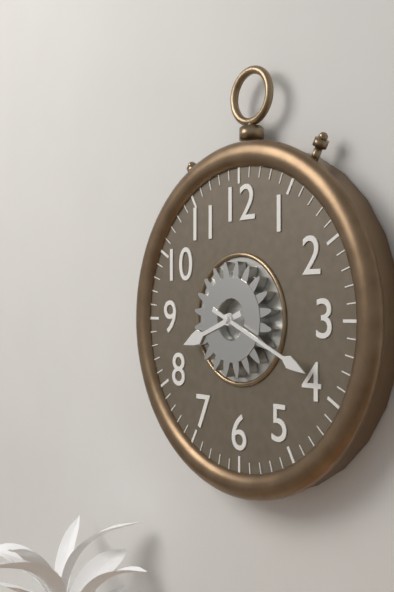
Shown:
8 h 19 min
